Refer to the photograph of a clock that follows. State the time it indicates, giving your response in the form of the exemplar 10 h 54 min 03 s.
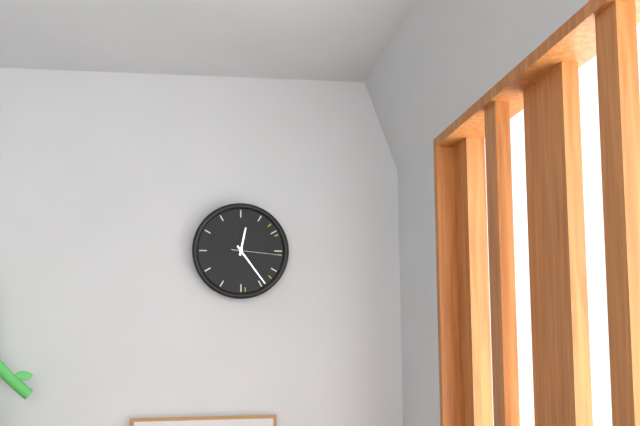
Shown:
12 h 24 min 16 s
